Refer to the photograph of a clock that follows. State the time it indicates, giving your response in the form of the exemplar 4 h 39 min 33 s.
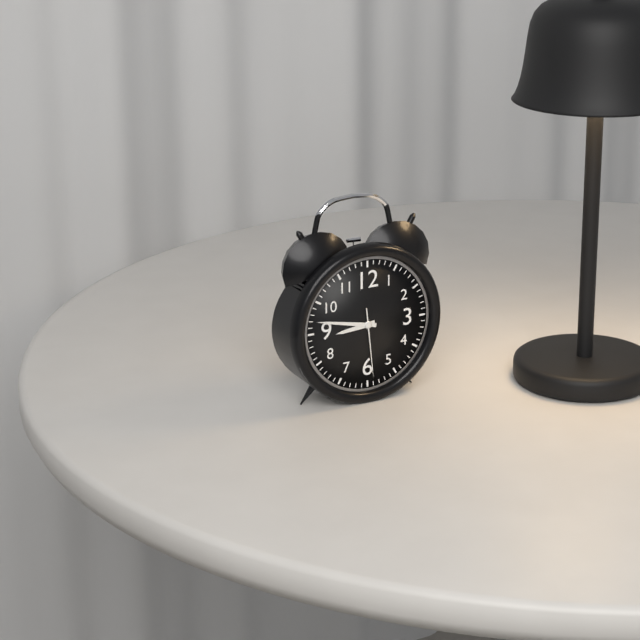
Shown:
8 h 47 min 29 s
